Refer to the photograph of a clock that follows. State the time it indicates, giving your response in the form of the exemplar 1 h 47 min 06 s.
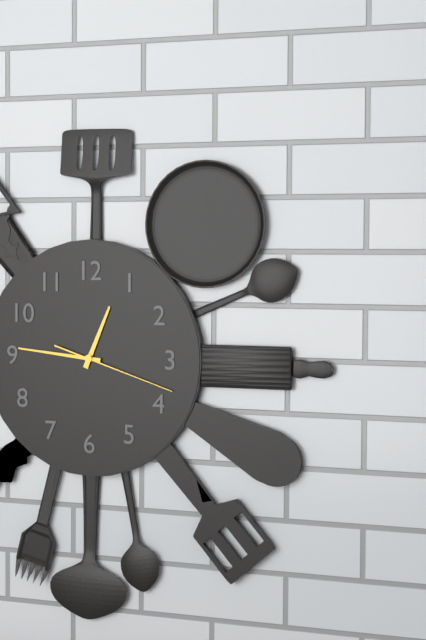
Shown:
12 h 46 min 18 s
